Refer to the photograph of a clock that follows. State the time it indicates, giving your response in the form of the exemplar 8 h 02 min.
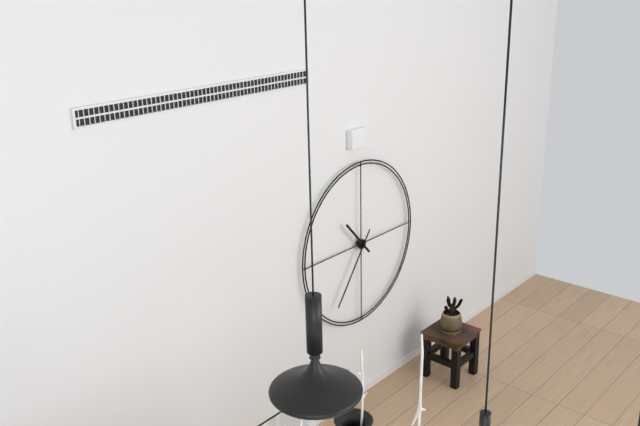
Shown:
10 h 36 min
